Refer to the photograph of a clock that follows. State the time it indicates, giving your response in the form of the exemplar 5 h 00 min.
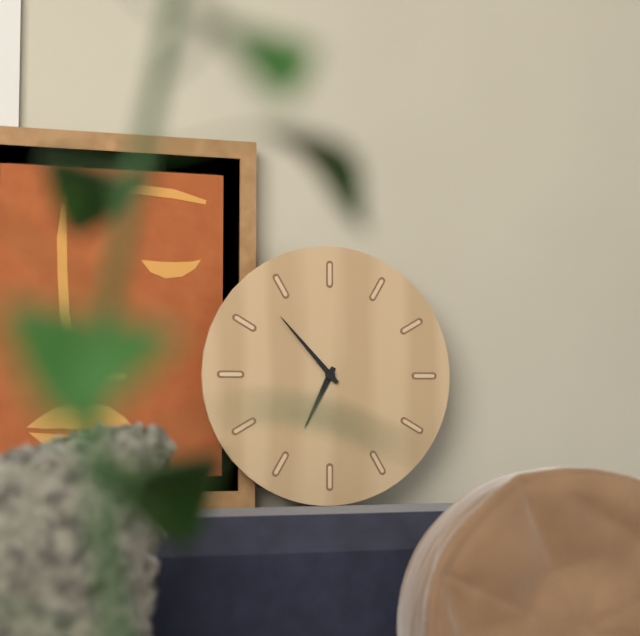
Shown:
6 h 53 min
